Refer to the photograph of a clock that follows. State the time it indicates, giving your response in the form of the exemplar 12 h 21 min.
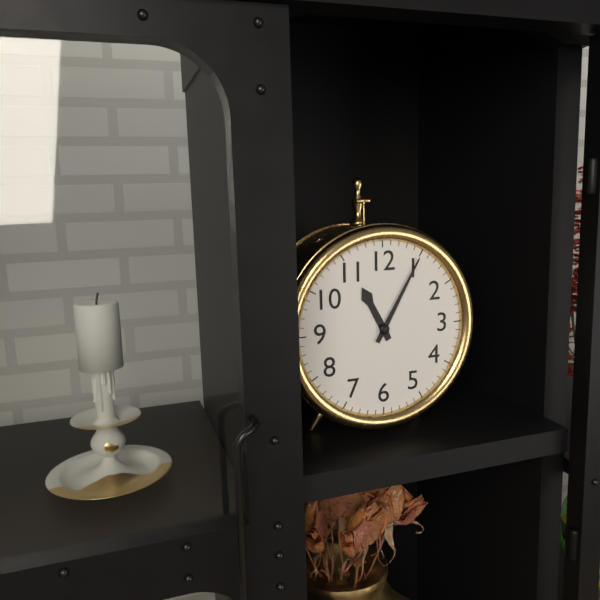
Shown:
11 h 05 min
